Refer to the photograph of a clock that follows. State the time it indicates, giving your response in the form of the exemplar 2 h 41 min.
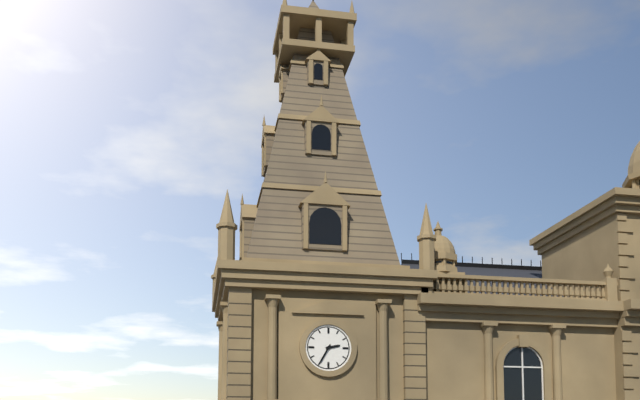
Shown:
2 h 35 min
